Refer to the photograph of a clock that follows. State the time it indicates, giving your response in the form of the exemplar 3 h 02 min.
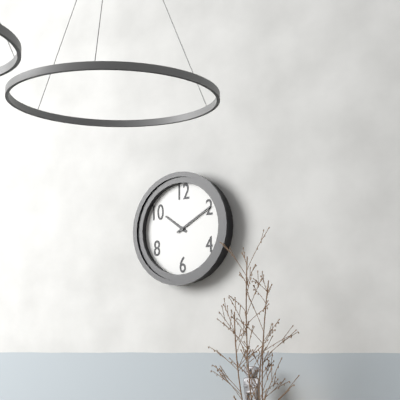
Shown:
10 h 10 min
